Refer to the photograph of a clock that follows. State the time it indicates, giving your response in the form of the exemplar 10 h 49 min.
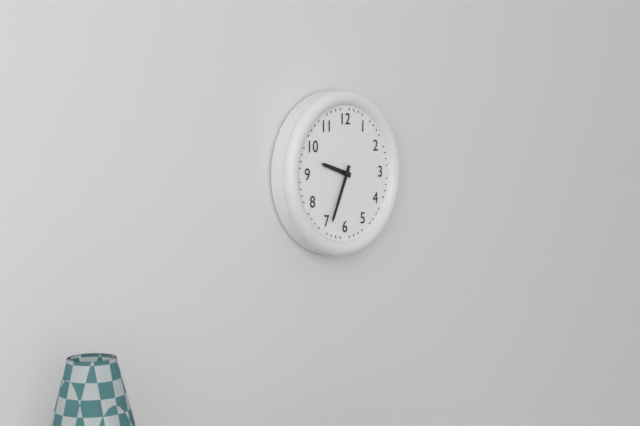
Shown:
9 h 34 min
